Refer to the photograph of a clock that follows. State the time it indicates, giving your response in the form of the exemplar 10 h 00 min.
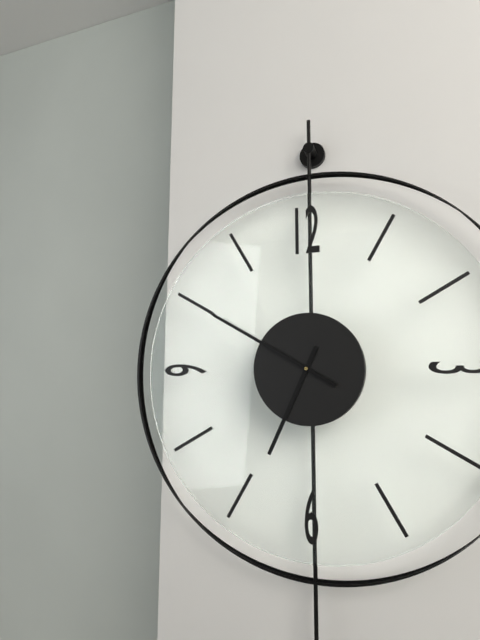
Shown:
6 h 50 min
